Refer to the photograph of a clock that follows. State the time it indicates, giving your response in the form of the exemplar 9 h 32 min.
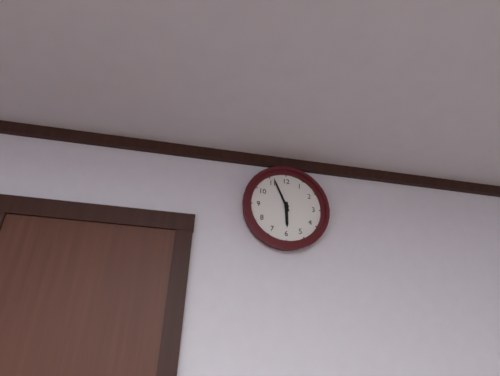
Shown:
5 h 56 min
